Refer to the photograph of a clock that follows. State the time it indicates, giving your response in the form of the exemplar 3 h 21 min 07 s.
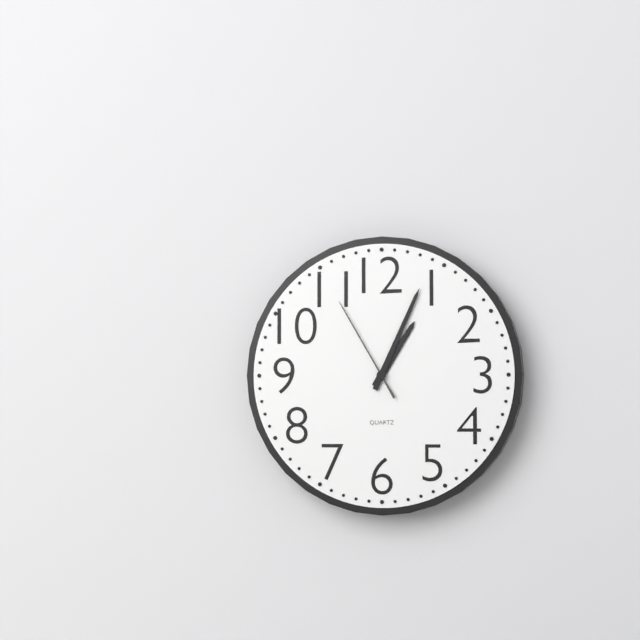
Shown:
1 h 04 min 55 s
